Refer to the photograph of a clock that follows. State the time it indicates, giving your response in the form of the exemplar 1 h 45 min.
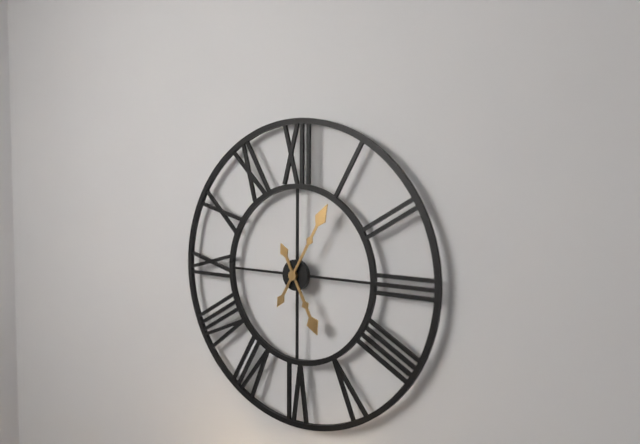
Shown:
5 h 05 min
